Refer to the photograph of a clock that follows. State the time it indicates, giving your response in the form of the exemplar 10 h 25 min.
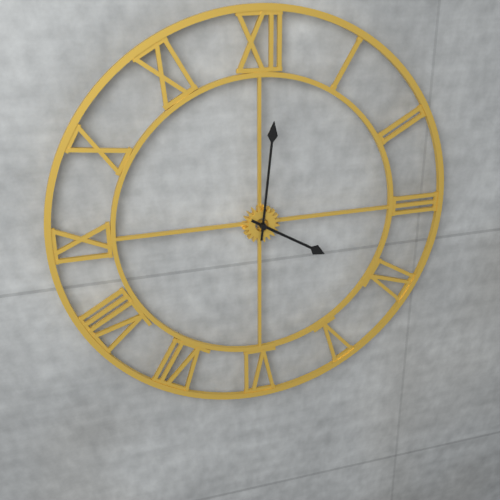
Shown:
4 h 01 min
